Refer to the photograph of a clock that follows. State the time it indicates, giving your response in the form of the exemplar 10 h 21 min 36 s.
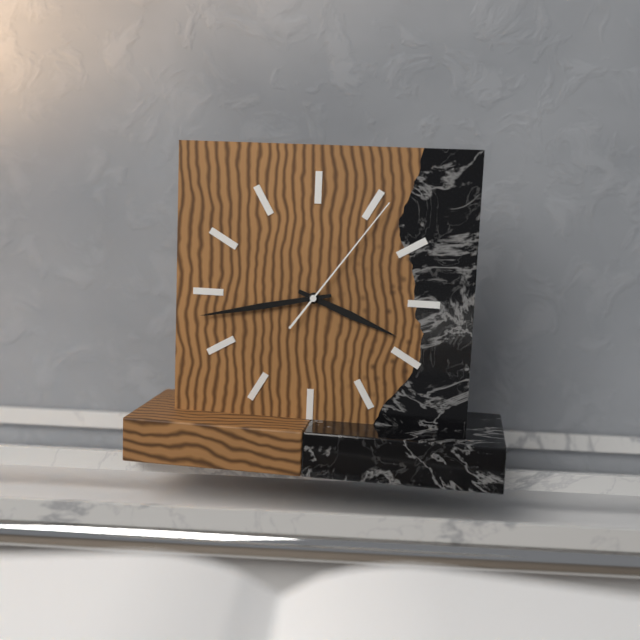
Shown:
3 h 43 min 06 s
